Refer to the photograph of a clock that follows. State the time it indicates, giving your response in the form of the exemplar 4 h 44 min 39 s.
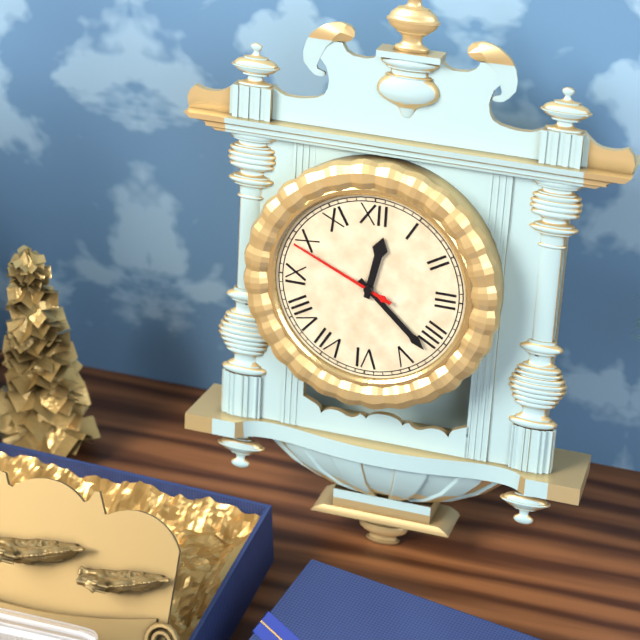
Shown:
12 h 22 min 49 s
